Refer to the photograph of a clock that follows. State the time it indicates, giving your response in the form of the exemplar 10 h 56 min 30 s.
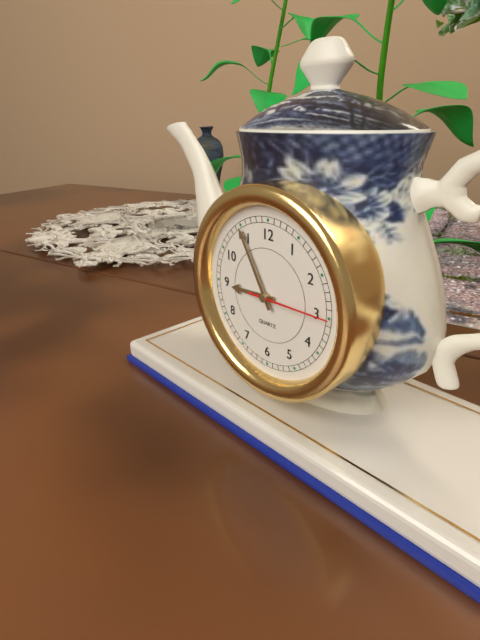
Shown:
8 h 55 min 15 s
